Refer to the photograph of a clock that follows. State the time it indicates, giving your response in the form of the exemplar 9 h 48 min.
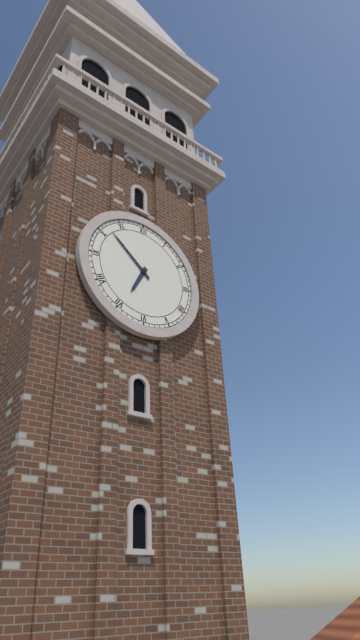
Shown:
6 h 52 min
